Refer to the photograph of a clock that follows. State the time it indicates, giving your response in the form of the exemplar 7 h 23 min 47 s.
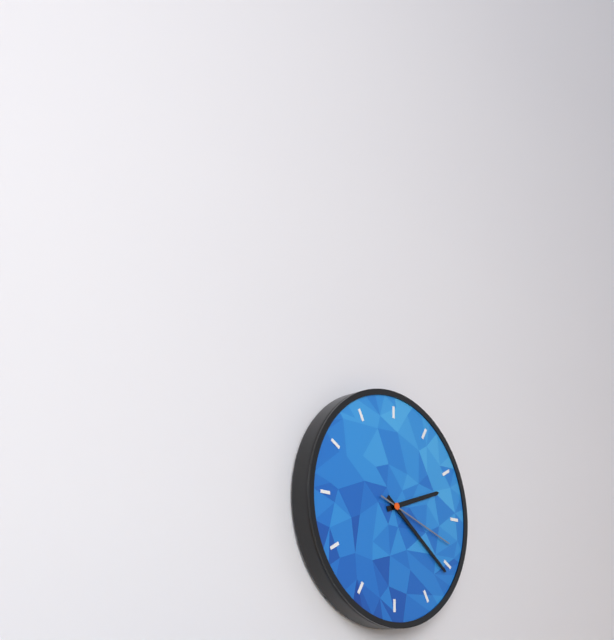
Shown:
2 h 21 min 18 s
